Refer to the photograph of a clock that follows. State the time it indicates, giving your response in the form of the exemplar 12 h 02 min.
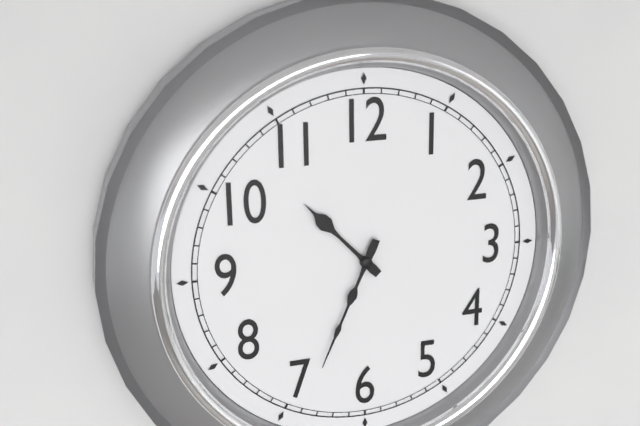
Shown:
10 h 34 min
